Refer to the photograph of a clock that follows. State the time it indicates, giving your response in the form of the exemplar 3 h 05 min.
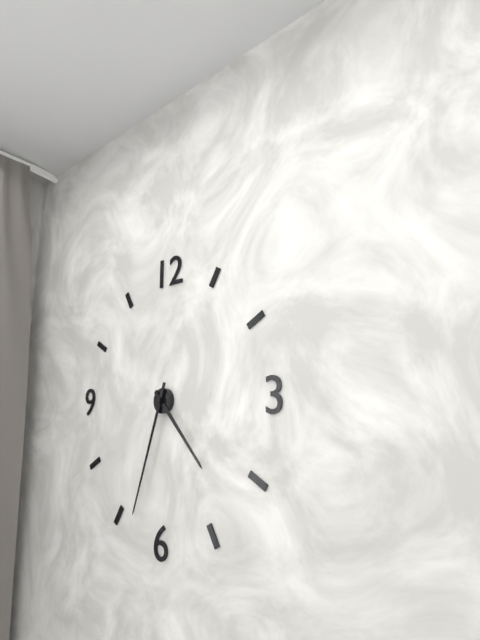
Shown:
4 h 33 min
